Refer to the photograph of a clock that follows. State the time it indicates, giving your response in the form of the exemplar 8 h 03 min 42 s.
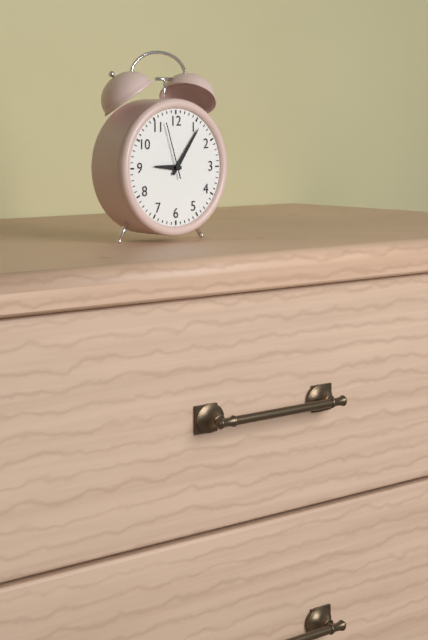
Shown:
9 h 06 min 57 s
